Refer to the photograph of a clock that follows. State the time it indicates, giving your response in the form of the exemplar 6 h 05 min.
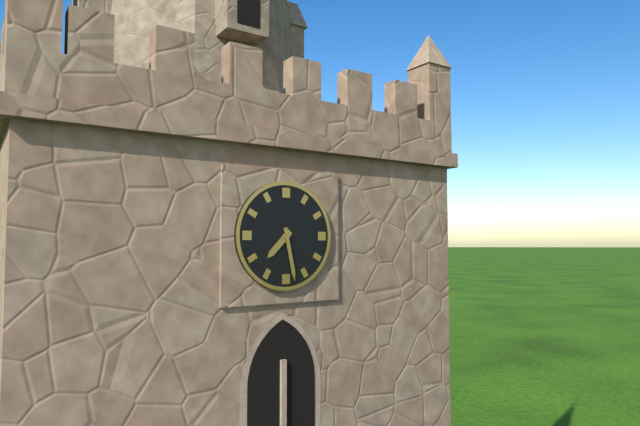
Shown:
7 h 28 min
